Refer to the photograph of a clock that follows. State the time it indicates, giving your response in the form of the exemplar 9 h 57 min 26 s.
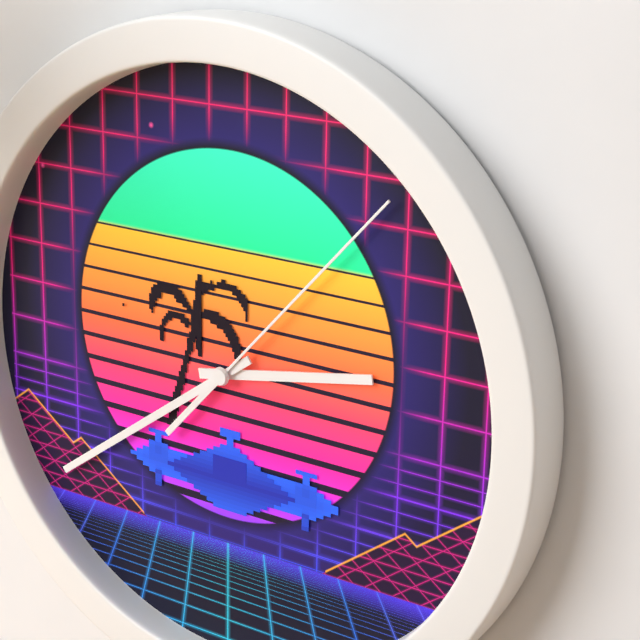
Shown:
2 h 39 min 07 s
